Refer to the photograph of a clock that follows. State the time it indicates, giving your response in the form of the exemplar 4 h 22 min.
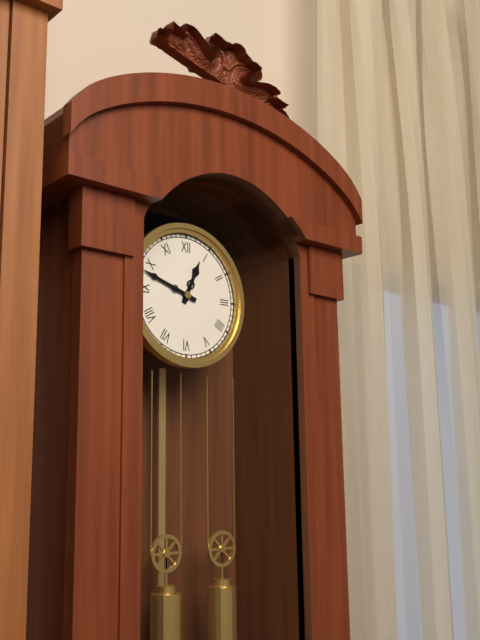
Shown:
12 h 48 min
